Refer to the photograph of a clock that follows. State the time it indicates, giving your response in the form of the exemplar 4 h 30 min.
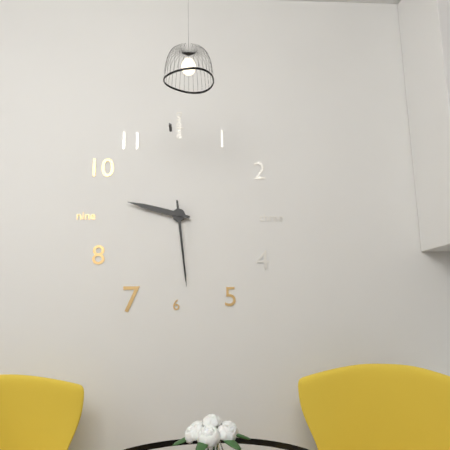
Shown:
9 h 29 min
